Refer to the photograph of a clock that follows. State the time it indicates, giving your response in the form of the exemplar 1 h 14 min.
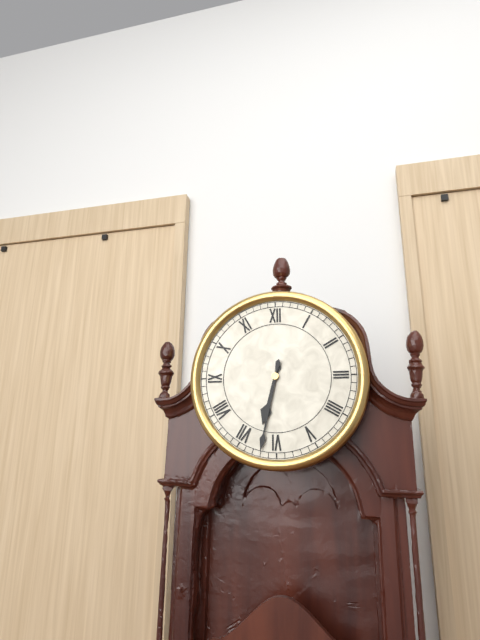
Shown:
6 h 32 min
